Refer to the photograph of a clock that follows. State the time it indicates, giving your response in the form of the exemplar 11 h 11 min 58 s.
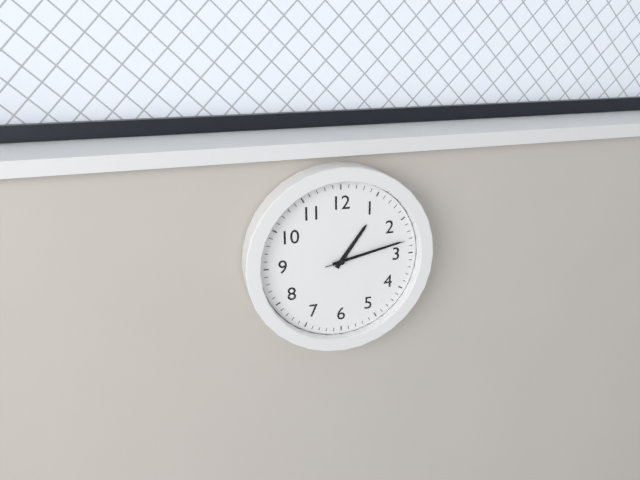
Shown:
1 h 13 min 13 s
